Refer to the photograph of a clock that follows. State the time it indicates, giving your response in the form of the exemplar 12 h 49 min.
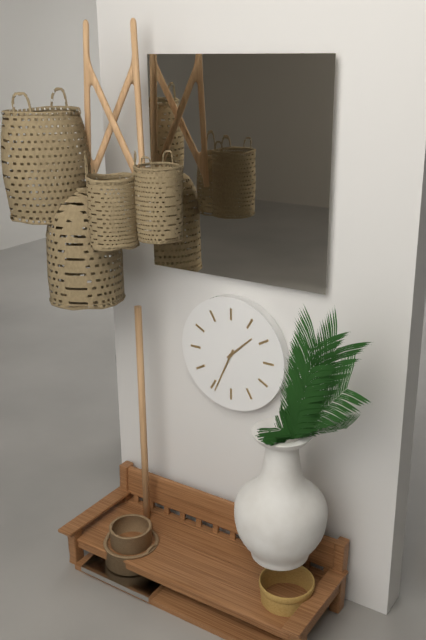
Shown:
1 h 34 min
